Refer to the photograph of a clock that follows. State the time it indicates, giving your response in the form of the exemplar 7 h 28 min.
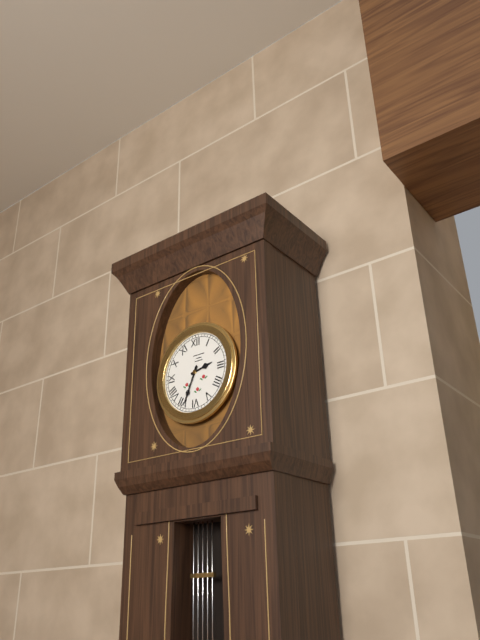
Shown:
2 h 34 min
